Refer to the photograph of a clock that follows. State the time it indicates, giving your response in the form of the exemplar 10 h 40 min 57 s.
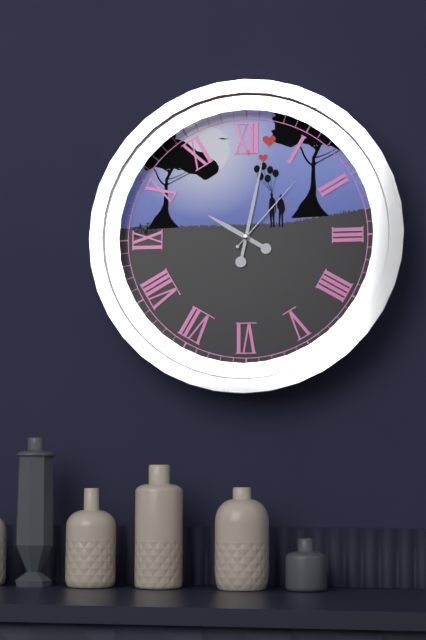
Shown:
10 h 02 min 07 s
